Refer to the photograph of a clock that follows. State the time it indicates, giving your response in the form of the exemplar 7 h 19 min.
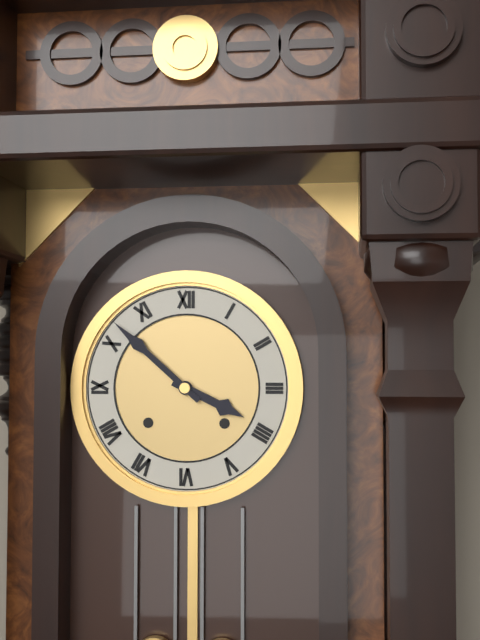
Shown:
3 h 52 min
